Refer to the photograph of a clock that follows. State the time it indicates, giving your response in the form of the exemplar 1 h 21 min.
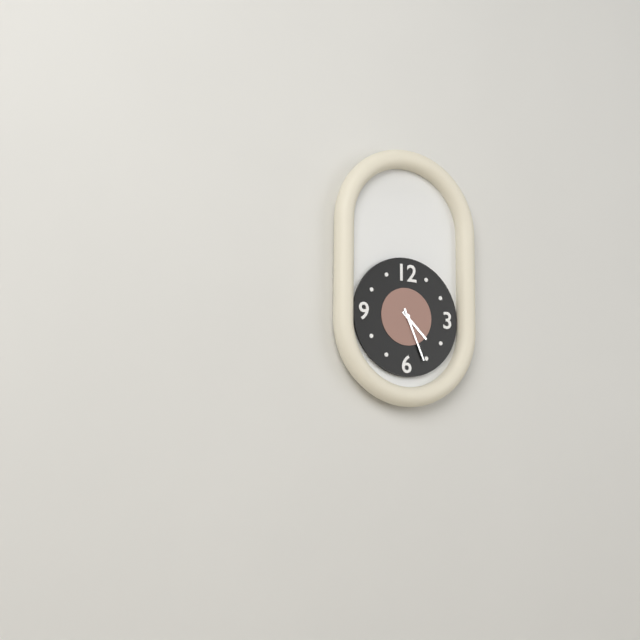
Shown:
4 h 26 min
